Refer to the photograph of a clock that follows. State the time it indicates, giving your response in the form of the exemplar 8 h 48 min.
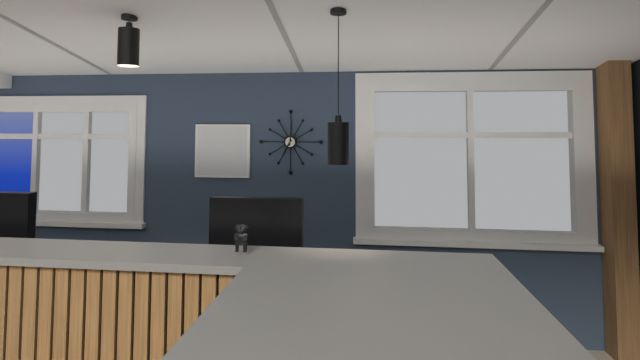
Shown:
7 h 01 min
